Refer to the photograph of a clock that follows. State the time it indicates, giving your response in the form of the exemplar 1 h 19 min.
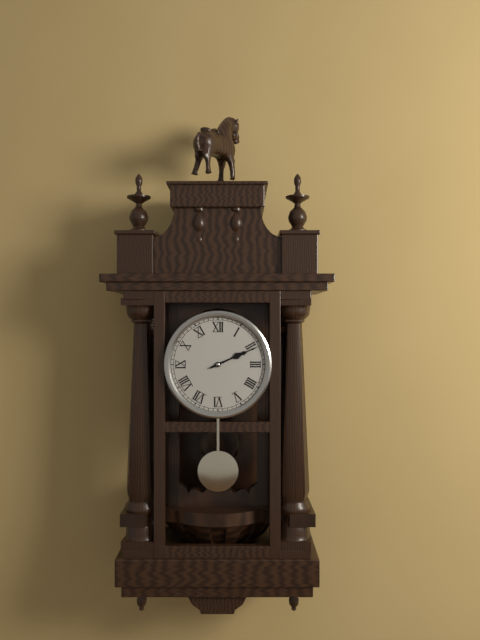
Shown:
2 h 11 min
